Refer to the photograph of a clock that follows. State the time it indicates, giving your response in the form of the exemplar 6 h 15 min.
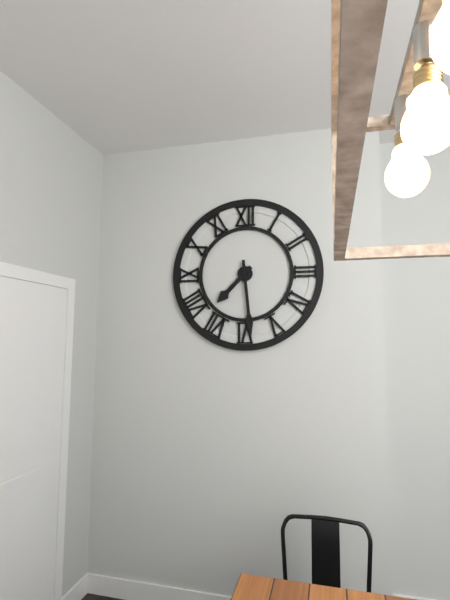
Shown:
7 h 29 min
